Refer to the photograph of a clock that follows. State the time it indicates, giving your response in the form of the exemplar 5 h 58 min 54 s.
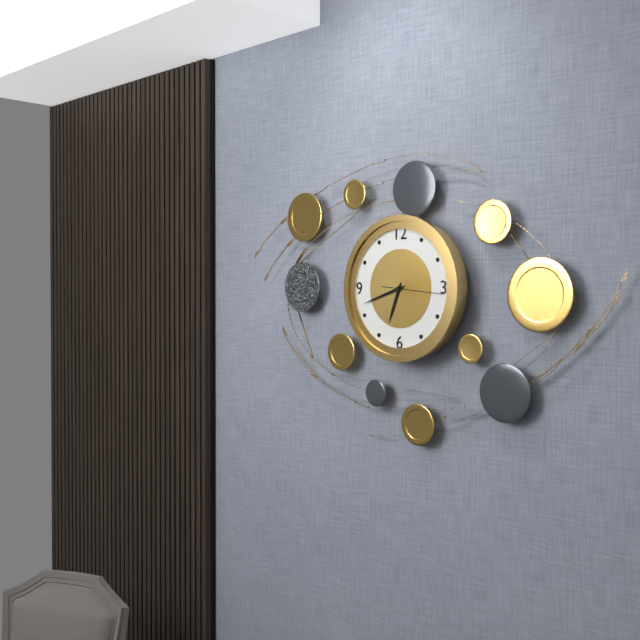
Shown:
6 h 42 min 16 s
